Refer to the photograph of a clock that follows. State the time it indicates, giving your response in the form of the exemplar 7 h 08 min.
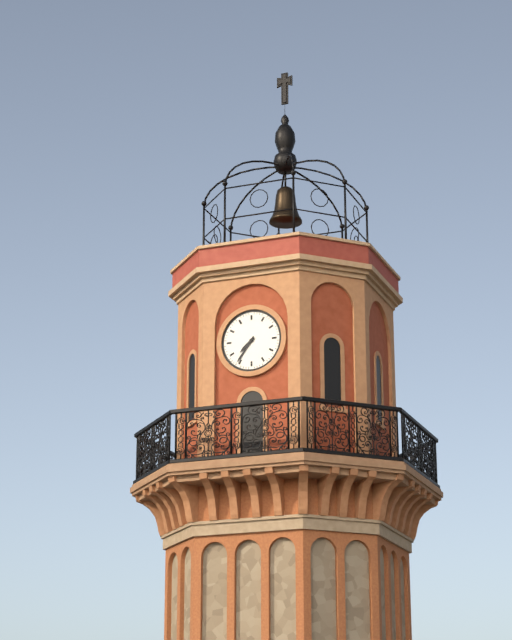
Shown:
7 h 36 min
